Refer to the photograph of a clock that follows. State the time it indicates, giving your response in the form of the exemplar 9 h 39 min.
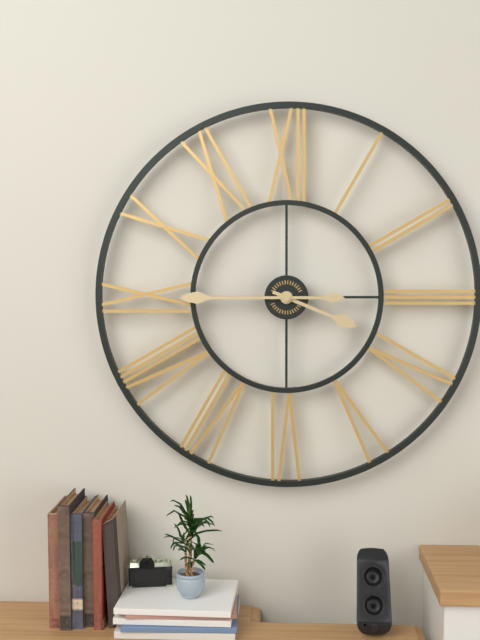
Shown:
3 h 45 min
